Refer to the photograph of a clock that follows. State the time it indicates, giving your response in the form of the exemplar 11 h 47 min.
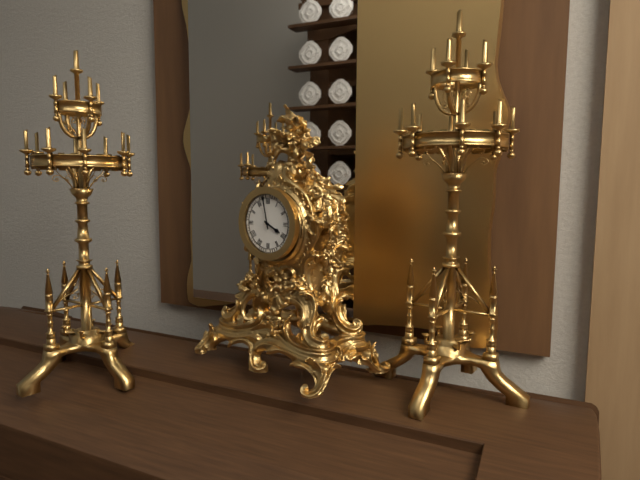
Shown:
3 h 58 min
